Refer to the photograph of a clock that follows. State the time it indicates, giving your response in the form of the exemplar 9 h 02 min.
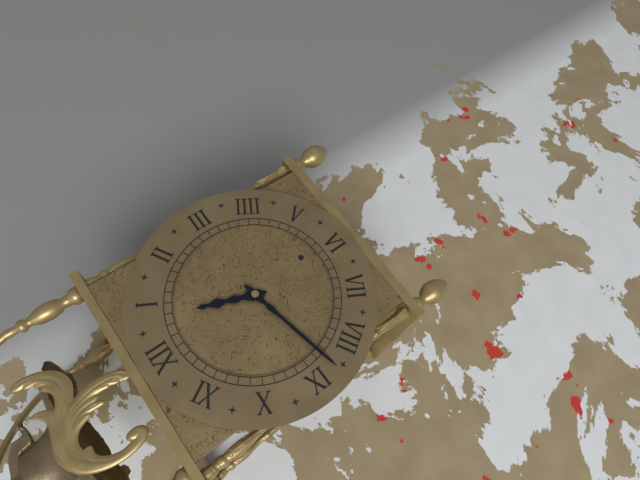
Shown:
12 h 43 min
